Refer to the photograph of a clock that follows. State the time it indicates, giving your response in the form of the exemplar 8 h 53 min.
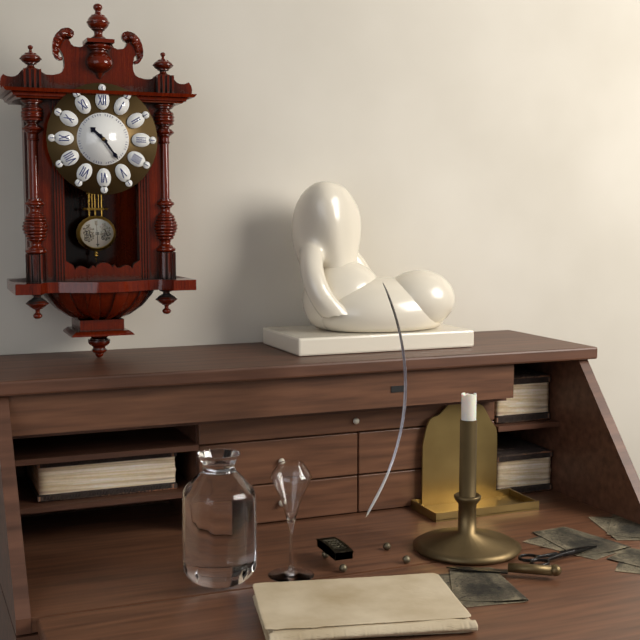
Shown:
10 h 24 min
